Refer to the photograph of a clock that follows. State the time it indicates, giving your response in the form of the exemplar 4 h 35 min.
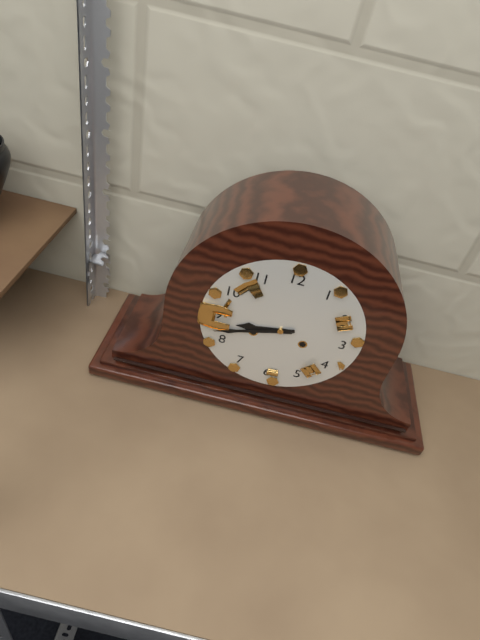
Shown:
8 h 42 min
